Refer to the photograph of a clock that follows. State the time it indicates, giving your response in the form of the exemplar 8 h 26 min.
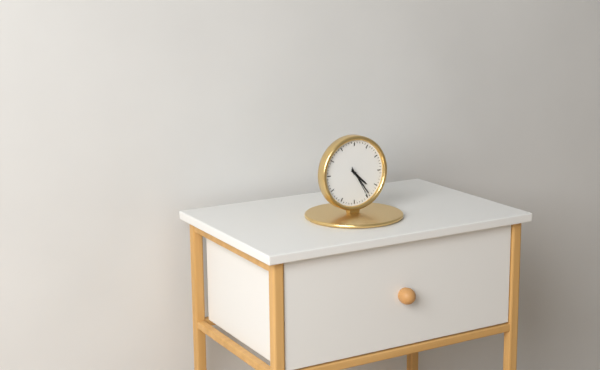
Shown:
4 h 24 min
